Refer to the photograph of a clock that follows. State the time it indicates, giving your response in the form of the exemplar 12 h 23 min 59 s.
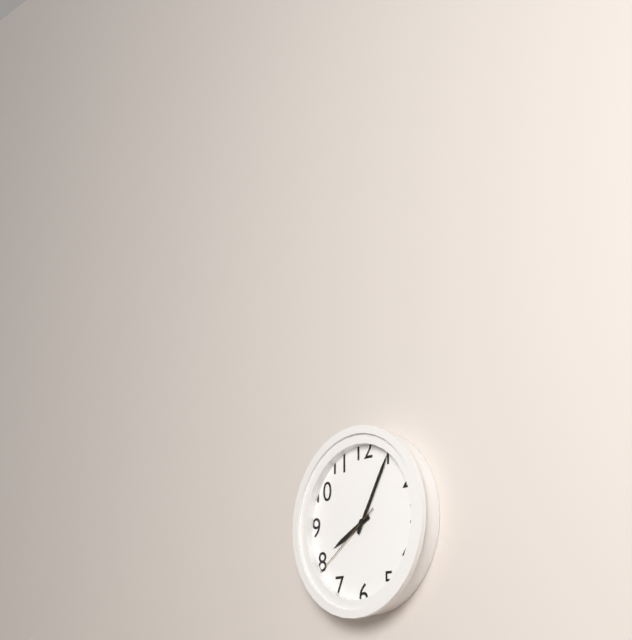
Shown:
8 h 05 min 39 s
